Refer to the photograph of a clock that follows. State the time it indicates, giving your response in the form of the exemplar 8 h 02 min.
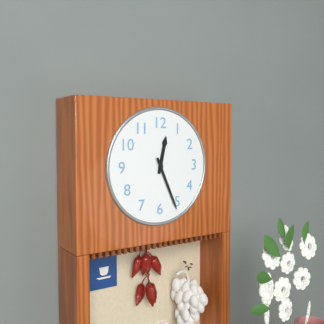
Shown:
12 h 26 min
